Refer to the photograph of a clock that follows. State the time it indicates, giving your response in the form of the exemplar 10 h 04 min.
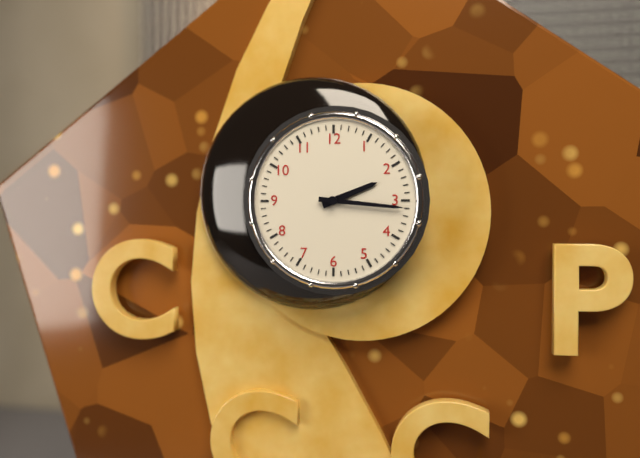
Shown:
2 h 16 min
